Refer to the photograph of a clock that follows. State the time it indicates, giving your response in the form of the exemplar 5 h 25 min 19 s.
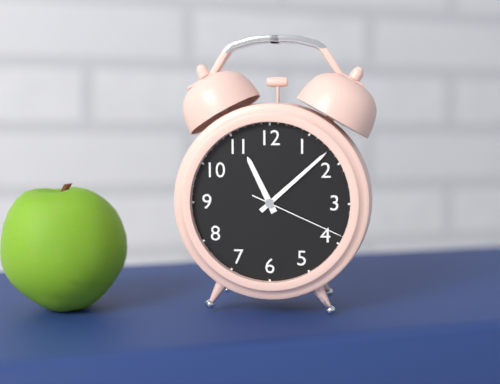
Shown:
11 h 08 min 19 s
